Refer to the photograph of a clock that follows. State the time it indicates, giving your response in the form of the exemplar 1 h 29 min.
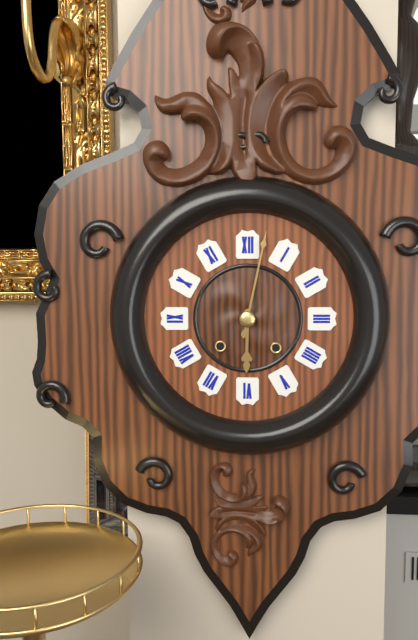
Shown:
6 h 02 min
